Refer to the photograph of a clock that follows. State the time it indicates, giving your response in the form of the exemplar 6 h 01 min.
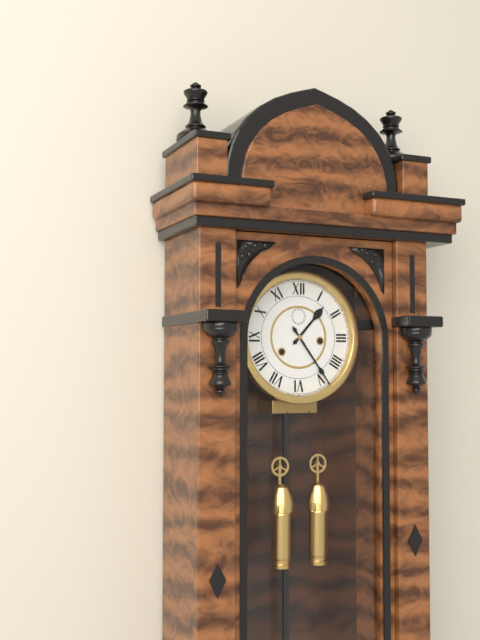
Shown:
1 h 24 min
